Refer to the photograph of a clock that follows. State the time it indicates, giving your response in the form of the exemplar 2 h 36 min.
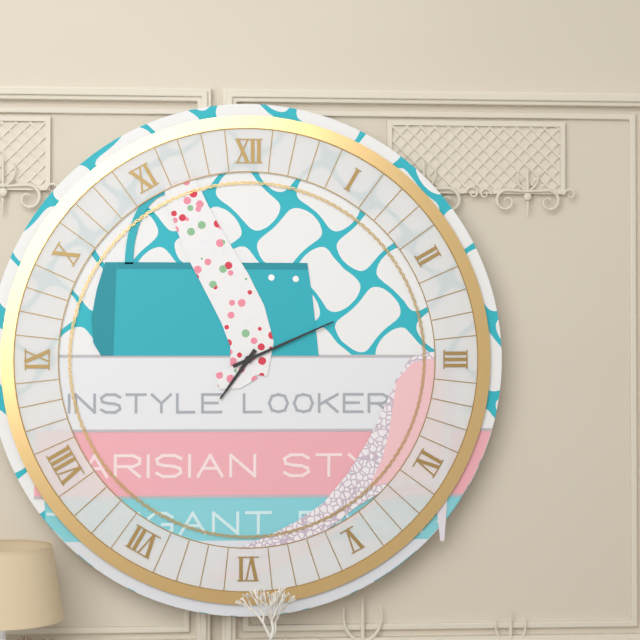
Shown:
7 h 11 min
